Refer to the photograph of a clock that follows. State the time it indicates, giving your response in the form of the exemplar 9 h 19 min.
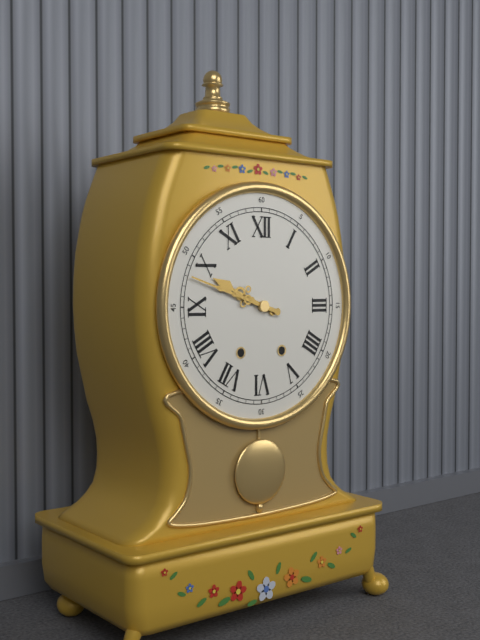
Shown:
9 h 48 min
